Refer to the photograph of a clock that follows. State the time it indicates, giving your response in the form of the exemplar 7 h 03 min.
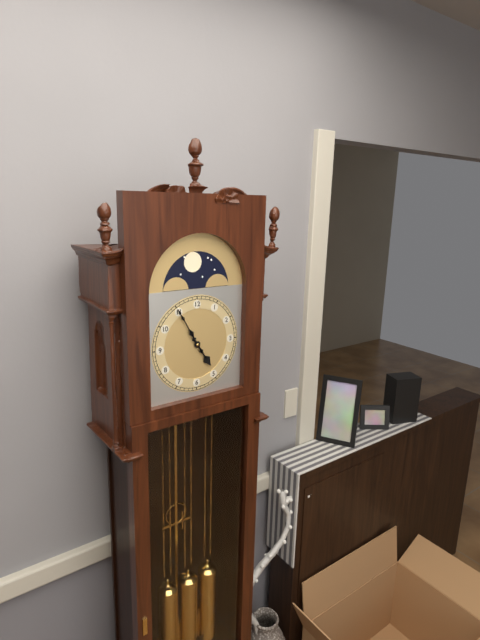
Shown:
4 h 55 min
